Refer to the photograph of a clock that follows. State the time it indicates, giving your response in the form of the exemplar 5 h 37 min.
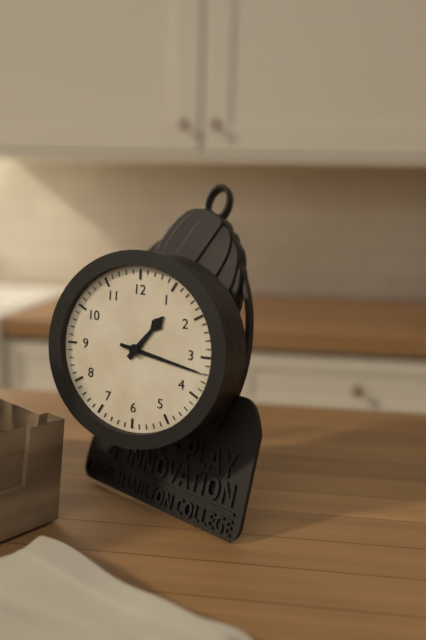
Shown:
1 h 17 min
